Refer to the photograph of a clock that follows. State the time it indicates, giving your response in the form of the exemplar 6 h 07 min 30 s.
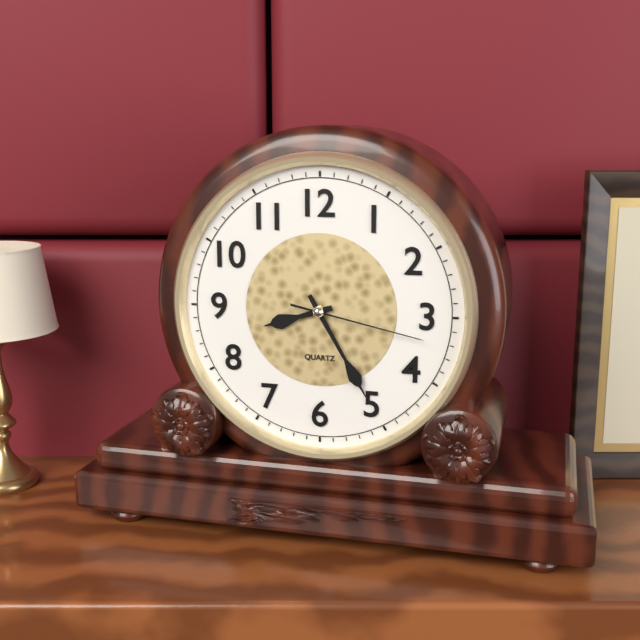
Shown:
8 h 25 min 17 s
